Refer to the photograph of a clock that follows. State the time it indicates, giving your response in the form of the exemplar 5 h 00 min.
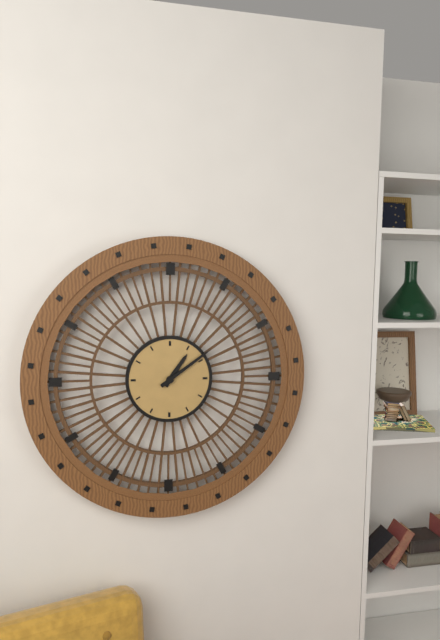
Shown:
1 h 09 min
